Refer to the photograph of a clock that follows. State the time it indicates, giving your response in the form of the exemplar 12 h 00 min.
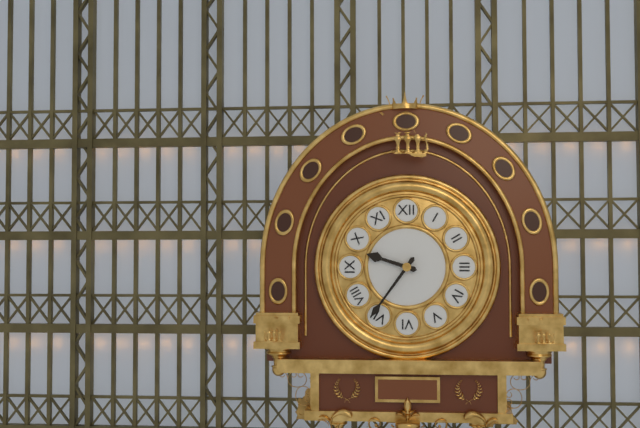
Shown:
9 h 36 min
